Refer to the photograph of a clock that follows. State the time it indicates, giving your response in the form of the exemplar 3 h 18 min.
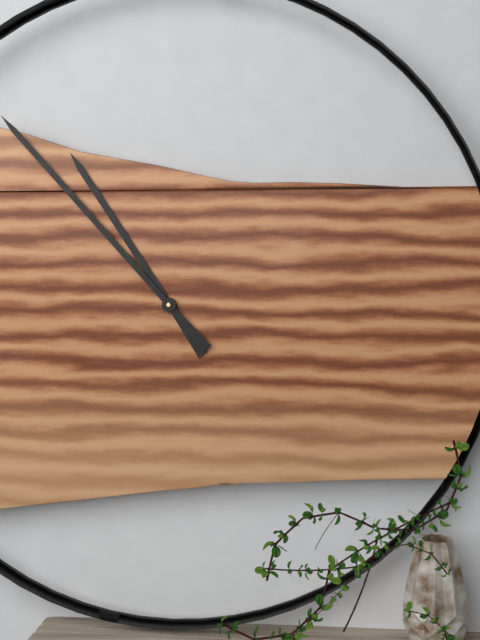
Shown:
10 h 53 min
